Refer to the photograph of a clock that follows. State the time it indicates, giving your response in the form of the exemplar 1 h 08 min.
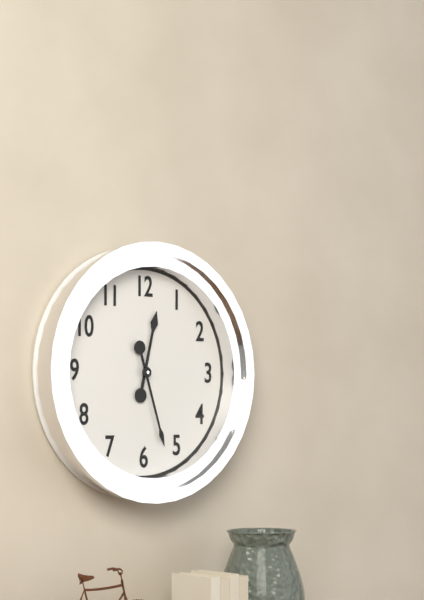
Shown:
12 h 27 min
